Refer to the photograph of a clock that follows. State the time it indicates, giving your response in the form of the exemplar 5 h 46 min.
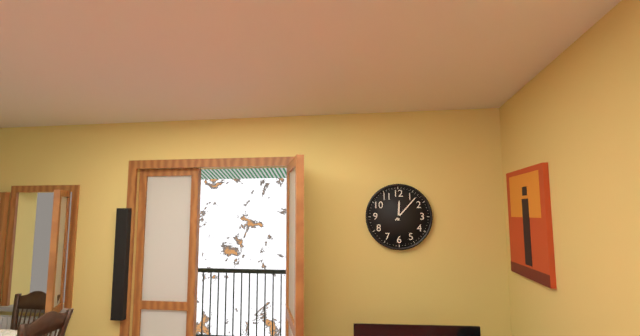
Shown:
12 h 07 min
